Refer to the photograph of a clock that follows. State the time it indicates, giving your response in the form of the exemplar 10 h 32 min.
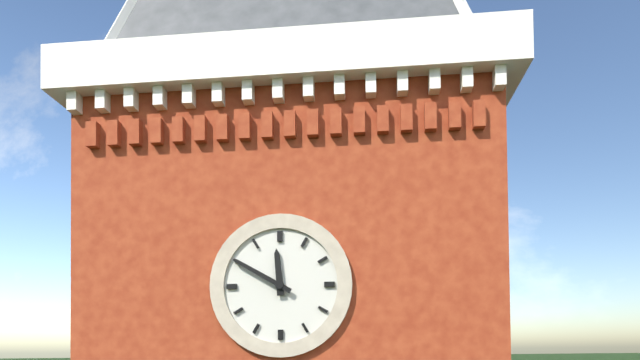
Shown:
11 h 50 min
